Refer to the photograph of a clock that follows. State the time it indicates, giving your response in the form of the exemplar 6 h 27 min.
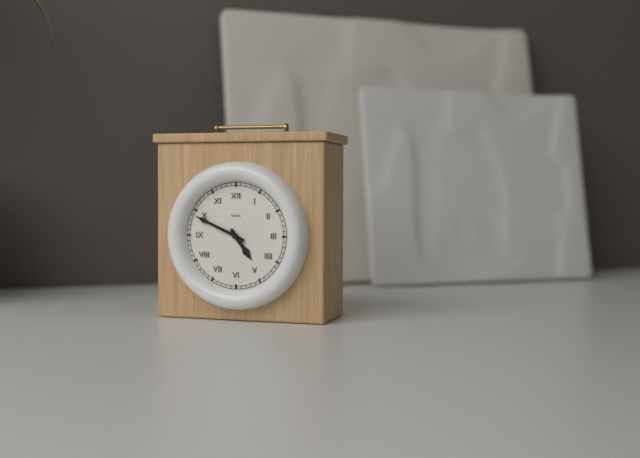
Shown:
4 h 49 min
